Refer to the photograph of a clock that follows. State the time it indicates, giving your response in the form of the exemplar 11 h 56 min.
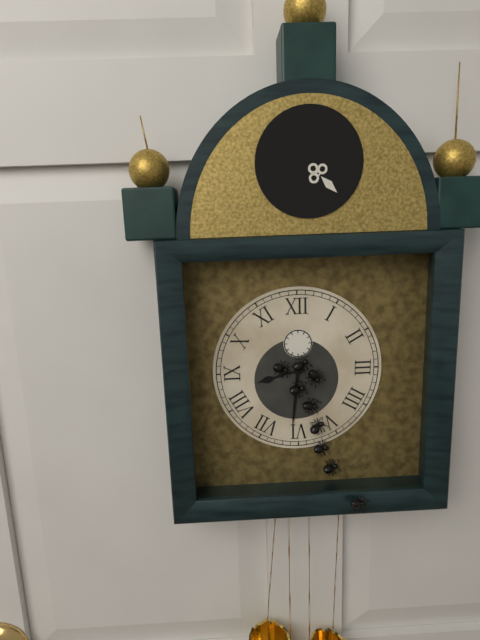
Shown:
8 h 31 min
